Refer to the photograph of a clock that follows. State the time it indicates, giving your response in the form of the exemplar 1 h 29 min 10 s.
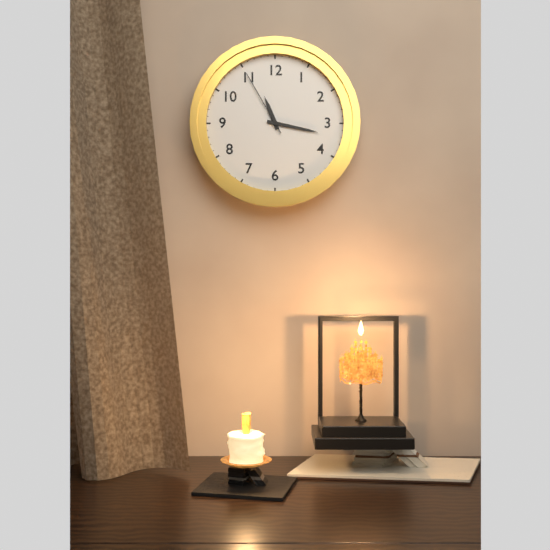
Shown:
11 h 17 min 55 s
